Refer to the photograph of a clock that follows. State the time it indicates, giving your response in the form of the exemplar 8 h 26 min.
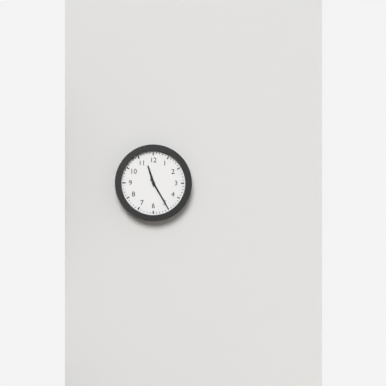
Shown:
11 h 25 min
